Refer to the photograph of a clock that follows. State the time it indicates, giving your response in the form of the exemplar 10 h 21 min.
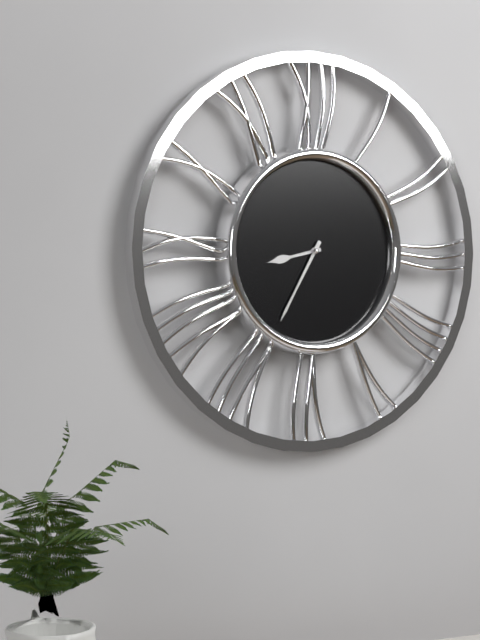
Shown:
8 h 35 min
